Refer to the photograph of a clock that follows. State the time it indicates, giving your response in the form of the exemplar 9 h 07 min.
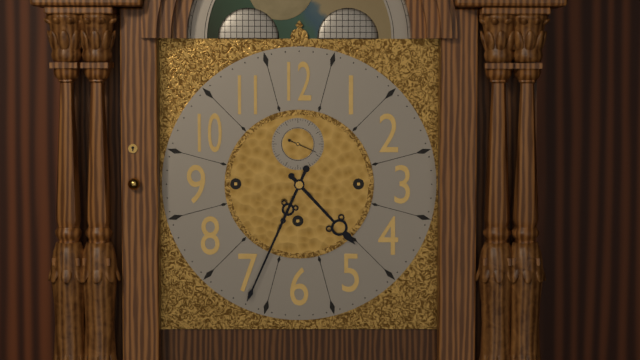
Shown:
4 h 34 min
